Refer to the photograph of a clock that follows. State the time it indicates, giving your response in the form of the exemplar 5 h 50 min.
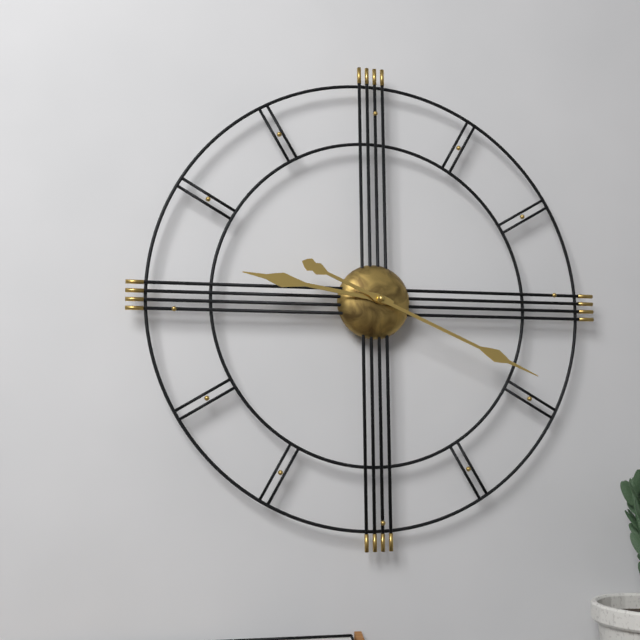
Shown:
9 h 19 min
